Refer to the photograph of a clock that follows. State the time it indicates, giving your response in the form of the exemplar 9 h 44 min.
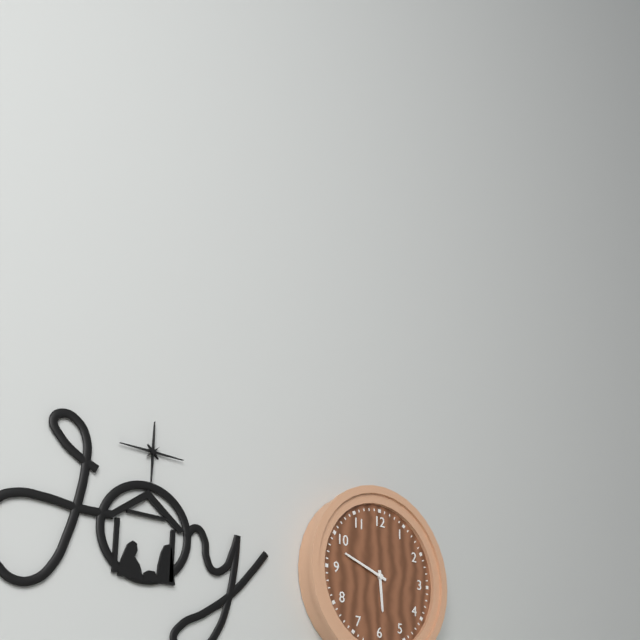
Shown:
5 h 48 min
